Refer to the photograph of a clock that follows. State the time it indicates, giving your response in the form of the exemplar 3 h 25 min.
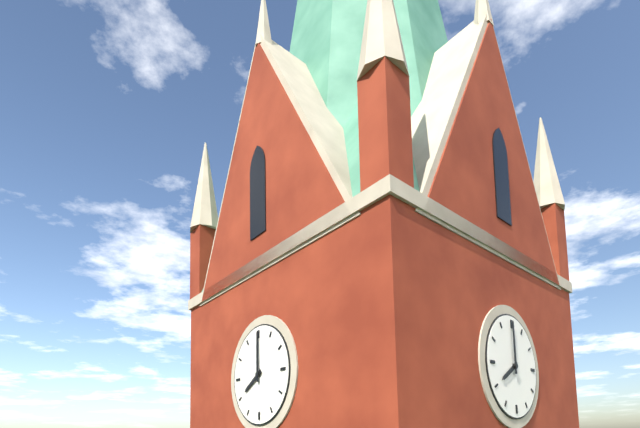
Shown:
8 h 00 min
